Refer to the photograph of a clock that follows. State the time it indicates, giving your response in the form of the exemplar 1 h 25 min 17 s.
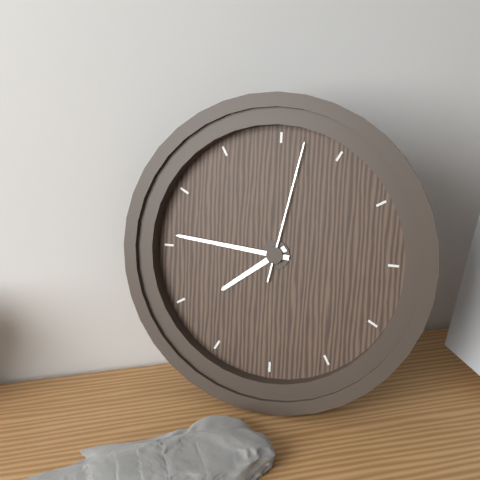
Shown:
7 h 46 min 02 s
